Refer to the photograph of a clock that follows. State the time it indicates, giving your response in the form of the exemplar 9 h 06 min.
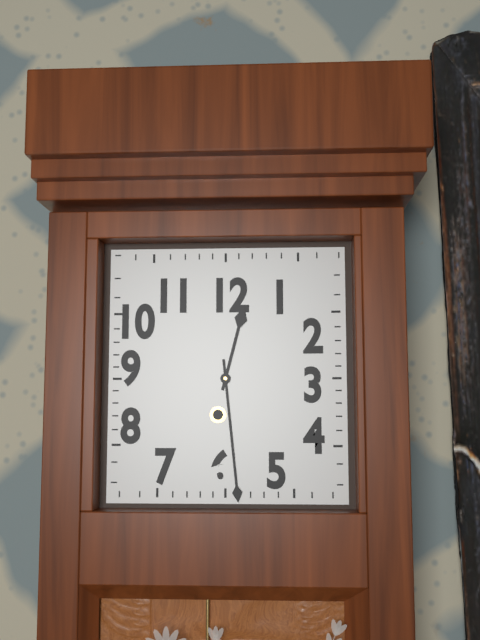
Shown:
12 h 29 min
